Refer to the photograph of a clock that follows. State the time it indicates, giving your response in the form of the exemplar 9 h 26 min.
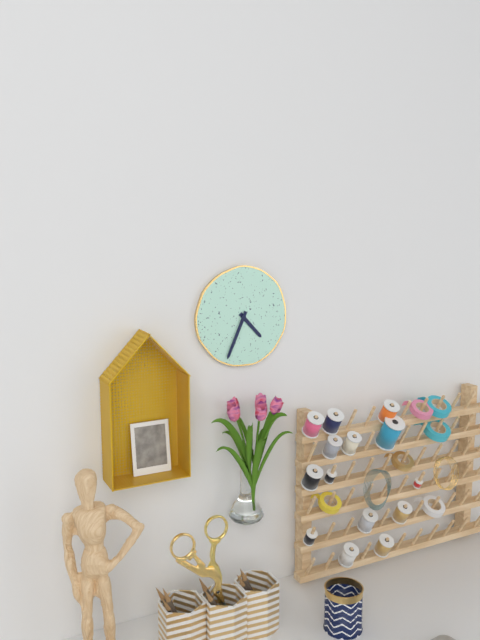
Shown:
4 h 34 min
